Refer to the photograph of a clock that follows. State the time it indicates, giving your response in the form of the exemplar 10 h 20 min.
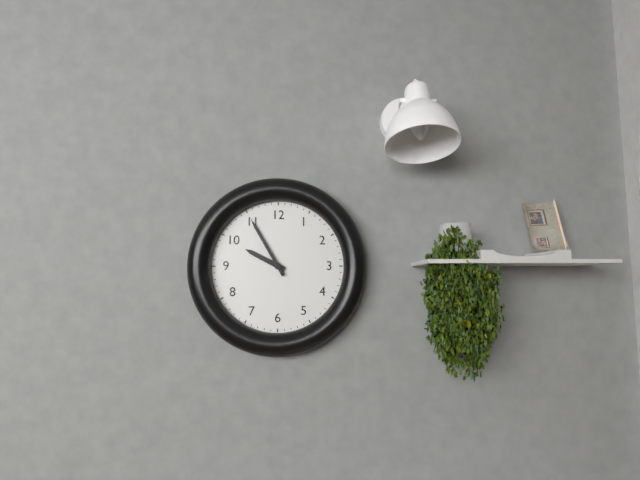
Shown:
9 h 55 min
